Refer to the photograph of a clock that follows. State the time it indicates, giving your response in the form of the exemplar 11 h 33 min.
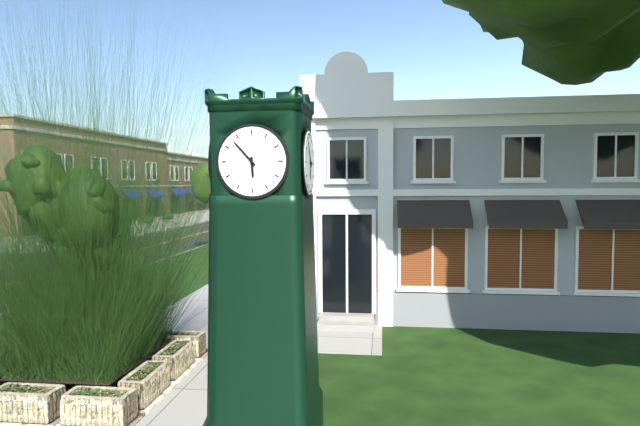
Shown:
5 h 53 min
